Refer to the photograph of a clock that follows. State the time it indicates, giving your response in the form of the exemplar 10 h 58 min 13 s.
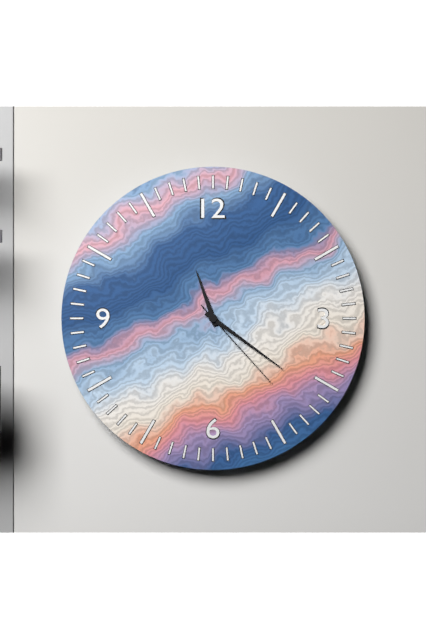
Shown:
11 h 21 min 23 s
